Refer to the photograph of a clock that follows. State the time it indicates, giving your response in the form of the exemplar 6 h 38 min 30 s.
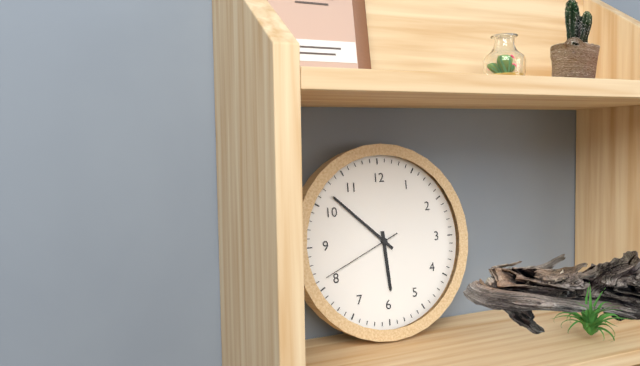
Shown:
5 h 52 min 41 s
